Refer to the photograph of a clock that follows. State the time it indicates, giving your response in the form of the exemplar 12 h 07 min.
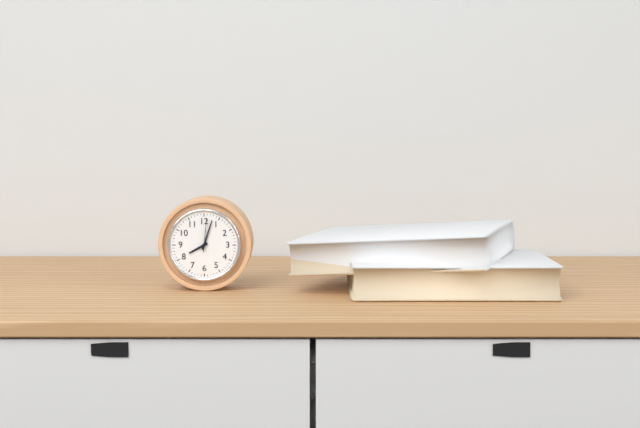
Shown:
8 h 03 min
